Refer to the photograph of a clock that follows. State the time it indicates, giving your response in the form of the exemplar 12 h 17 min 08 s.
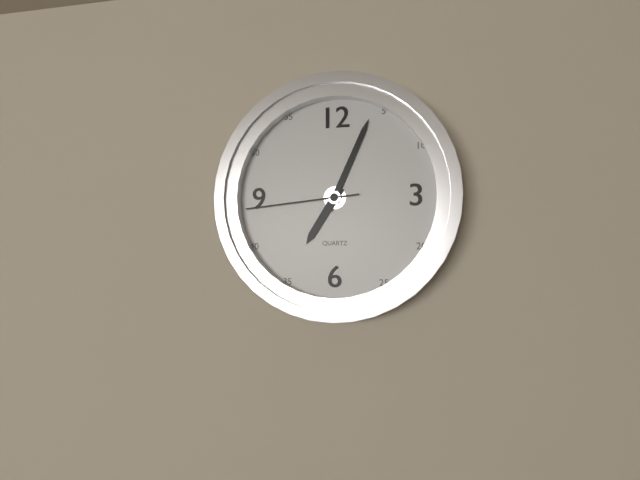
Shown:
7 h 04 min 44 s
